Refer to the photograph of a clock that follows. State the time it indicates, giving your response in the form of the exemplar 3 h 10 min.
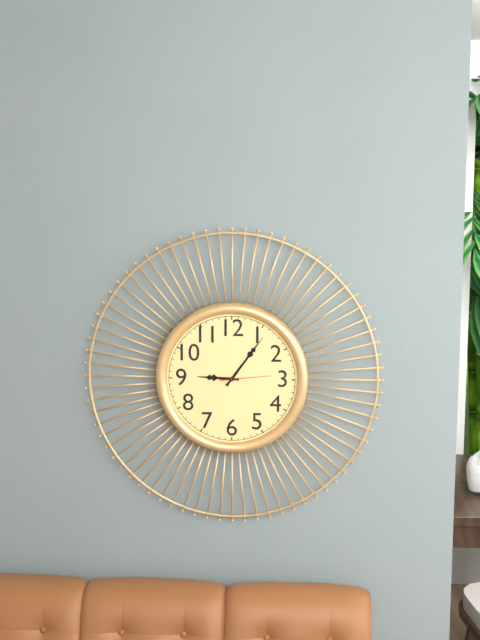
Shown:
9 h 06 min
